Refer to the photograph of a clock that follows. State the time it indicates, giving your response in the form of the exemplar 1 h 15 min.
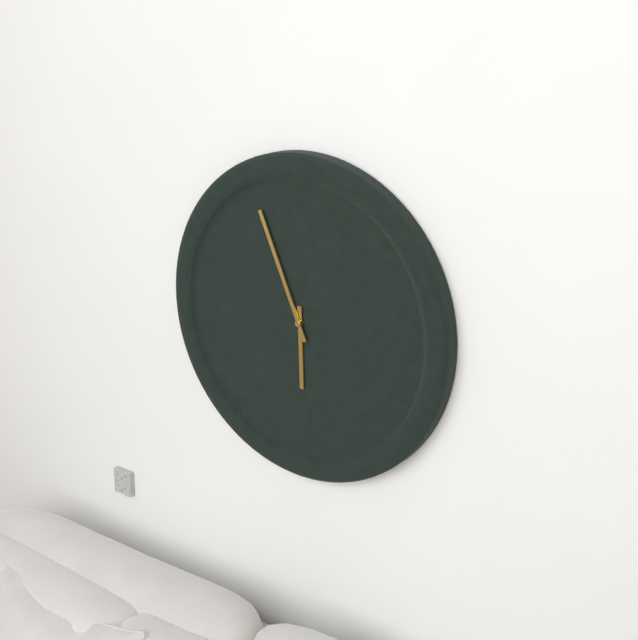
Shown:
5 h 56 min
